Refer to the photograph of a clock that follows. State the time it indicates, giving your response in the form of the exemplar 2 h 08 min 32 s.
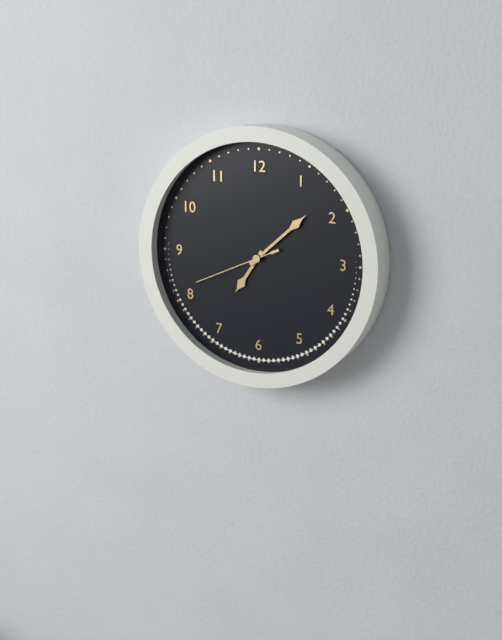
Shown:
7 h 08 min 41 s
